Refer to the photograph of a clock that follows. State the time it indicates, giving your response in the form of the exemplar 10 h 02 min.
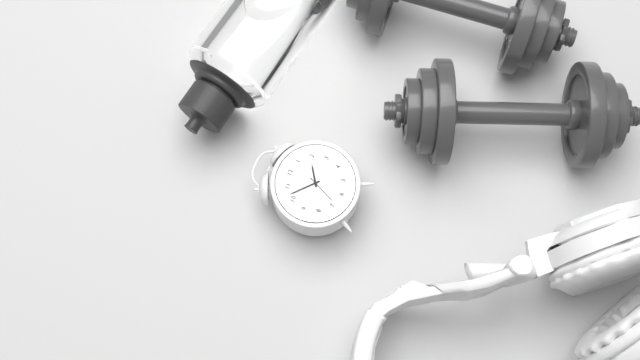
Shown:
1 h 52 min
